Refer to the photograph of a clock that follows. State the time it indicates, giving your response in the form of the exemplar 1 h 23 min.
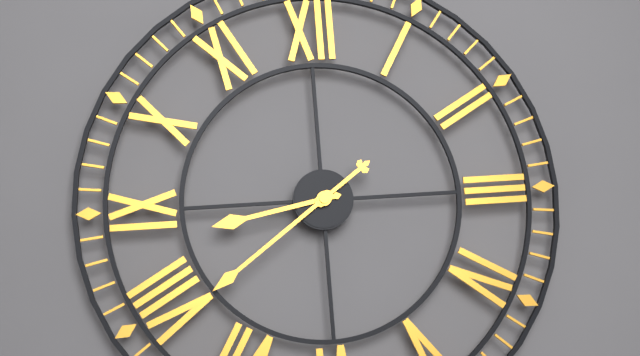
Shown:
8 h 39 min
